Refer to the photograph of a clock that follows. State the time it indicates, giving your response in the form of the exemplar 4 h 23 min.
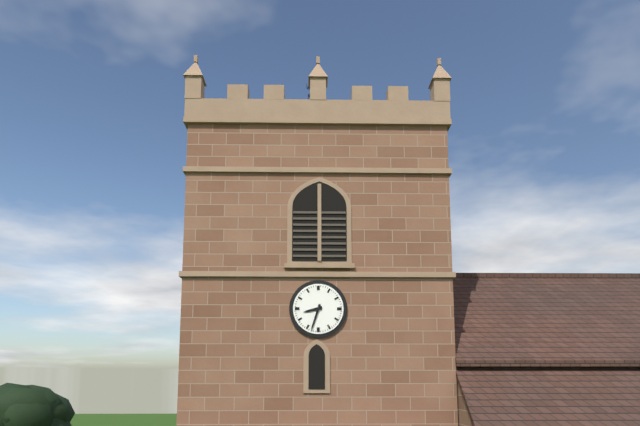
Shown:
8 h 33 min
